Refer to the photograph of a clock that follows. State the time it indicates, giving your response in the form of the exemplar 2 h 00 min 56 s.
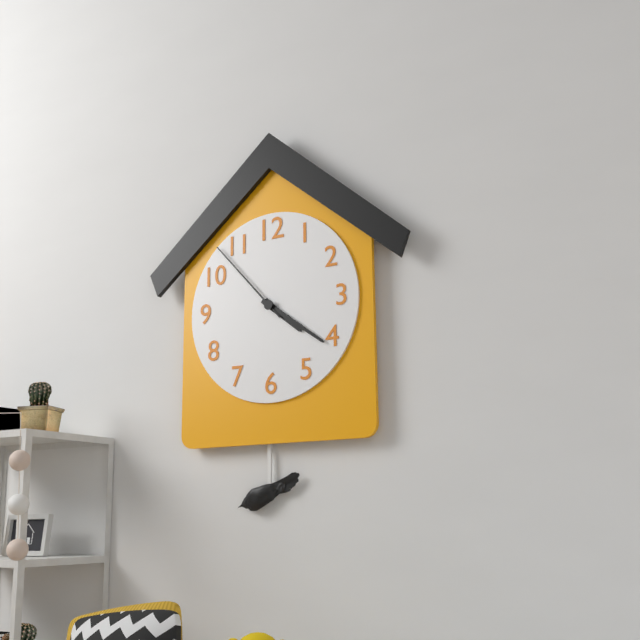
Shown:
4 h 21 min 53 s
